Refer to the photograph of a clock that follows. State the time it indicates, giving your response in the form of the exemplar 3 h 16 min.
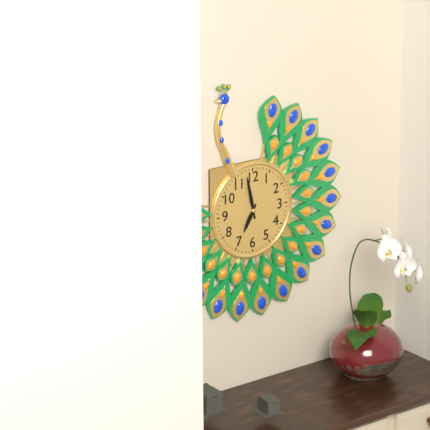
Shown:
6 h 58 min
